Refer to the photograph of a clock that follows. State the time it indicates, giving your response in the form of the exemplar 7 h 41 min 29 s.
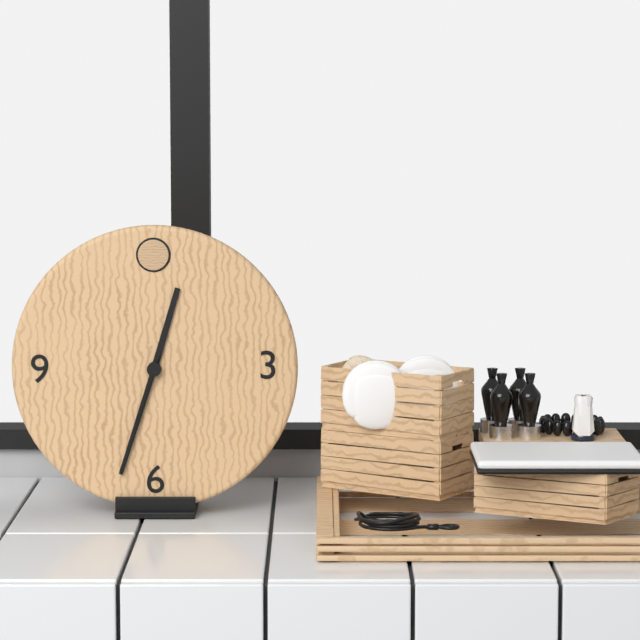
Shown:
12 h 33 min 33 s
